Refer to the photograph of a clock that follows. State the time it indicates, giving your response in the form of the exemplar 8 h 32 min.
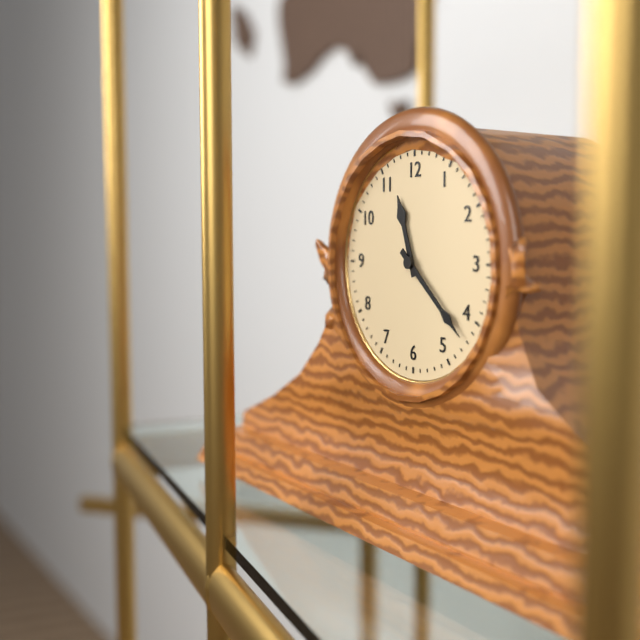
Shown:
11 h 22 min
